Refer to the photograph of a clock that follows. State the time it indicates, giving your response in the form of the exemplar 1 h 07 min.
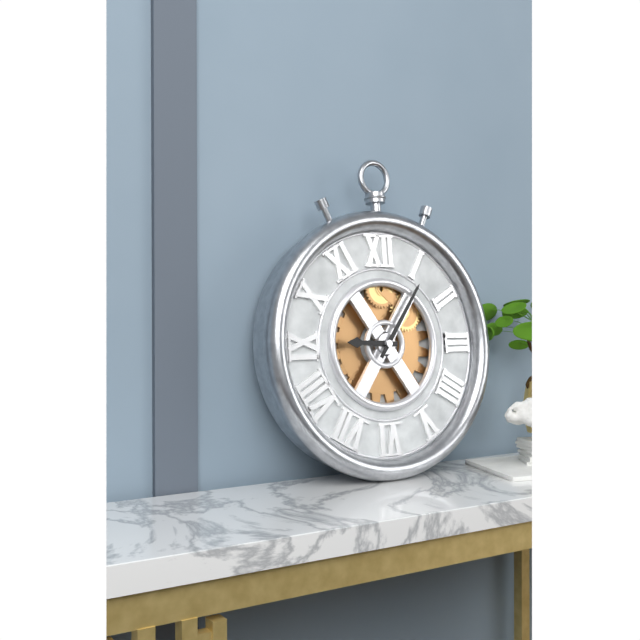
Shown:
9 h 06 min
